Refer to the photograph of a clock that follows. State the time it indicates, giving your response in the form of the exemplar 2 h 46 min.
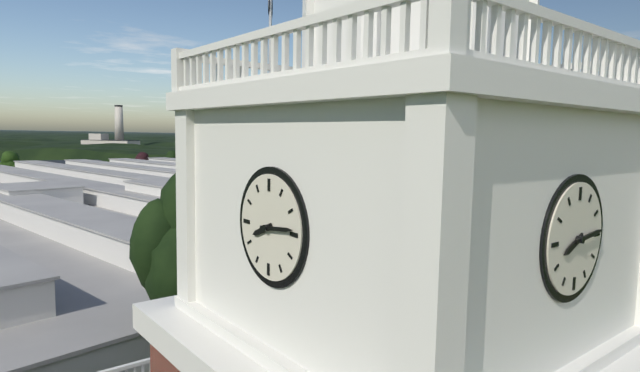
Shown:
8 h 14 min
